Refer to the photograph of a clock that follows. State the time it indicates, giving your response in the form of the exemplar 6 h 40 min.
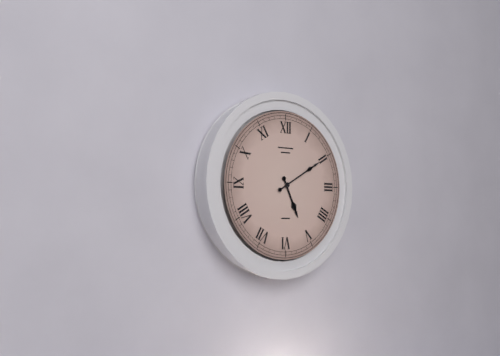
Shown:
5 h 10 min
